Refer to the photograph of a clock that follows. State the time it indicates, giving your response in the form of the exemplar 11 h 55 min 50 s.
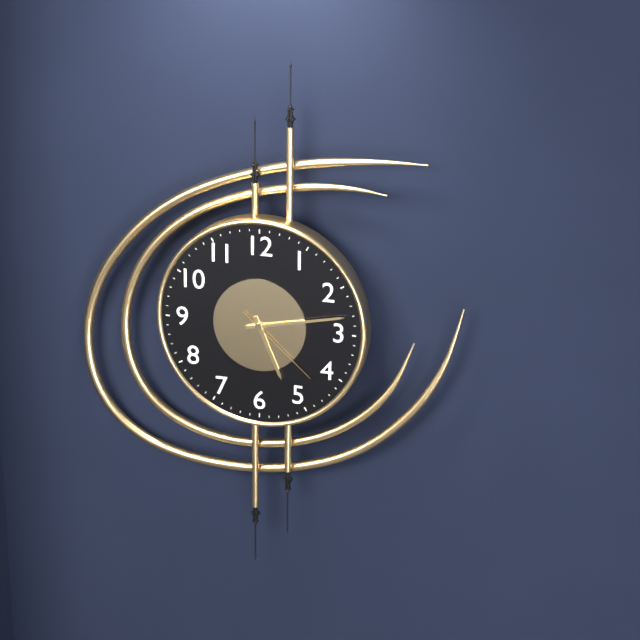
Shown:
5 h 13 min 22 s
